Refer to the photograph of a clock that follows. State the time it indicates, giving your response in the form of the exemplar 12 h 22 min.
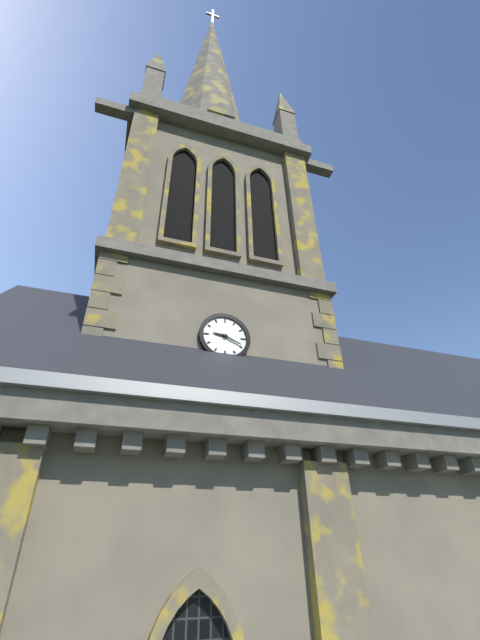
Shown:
9 h 19 min
